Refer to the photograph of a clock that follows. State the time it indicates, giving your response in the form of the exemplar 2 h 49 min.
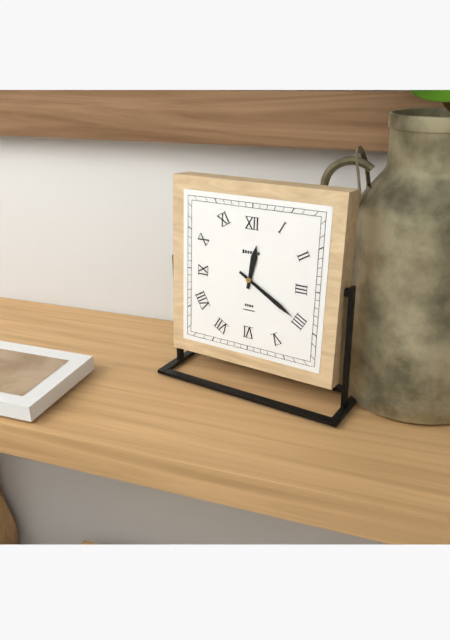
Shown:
12 h 20 min
